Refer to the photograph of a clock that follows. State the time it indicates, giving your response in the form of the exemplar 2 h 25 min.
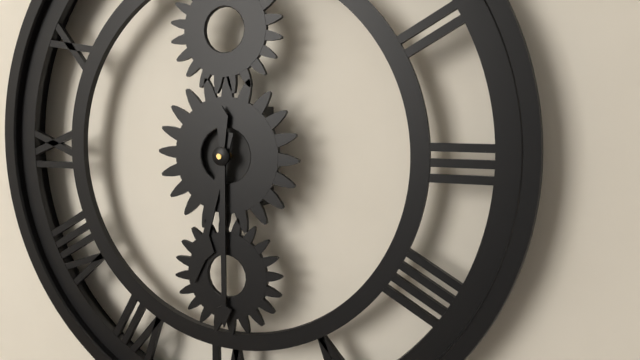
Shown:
6 h 30 min
